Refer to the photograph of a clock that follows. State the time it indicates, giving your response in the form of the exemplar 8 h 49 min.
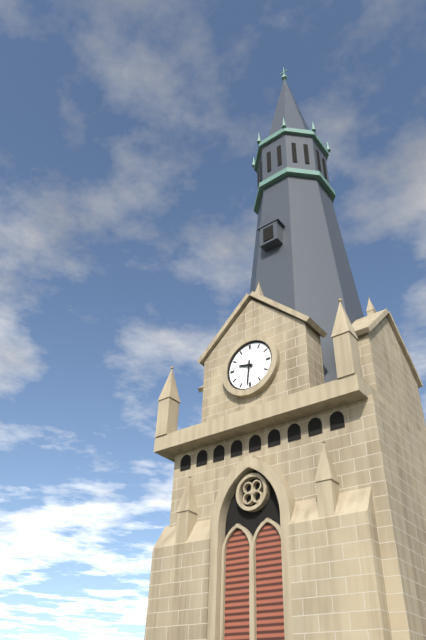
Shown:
9 h 31 min
